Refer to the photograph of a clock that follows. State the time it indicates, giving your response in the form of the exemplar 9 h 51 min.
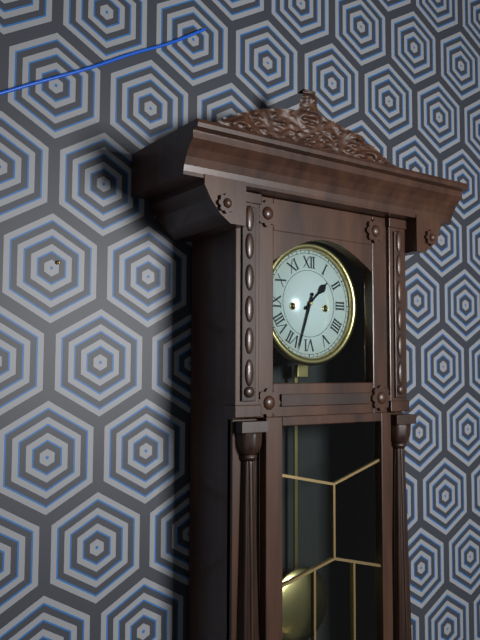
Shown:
1 h 33 min
